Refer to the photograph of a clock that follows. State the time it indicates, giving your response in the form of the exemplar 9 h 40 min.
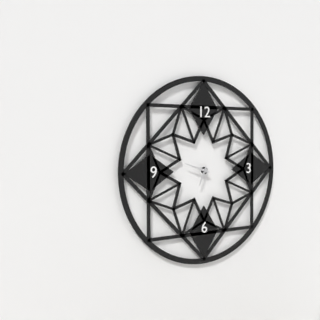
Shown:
6 h 48 min
